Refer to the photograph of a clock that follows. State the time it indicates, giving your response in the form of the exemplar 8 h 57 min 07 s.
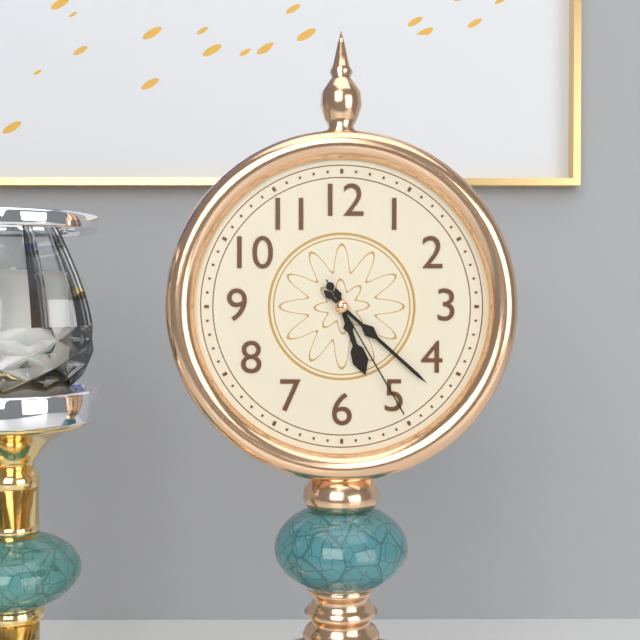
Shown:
5 h 22 min 25 s
